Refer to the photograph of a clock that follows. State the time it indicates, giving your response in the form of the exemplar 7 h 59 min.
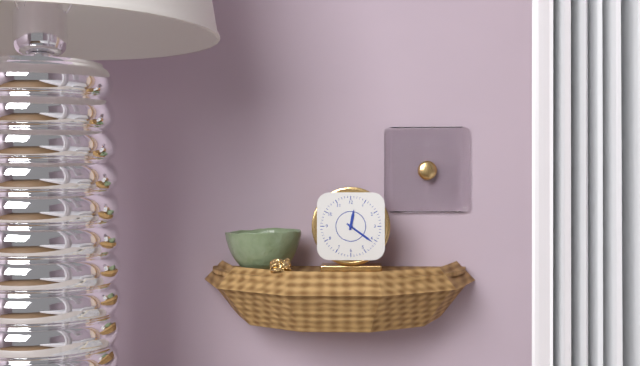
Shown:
12 h 21 min
